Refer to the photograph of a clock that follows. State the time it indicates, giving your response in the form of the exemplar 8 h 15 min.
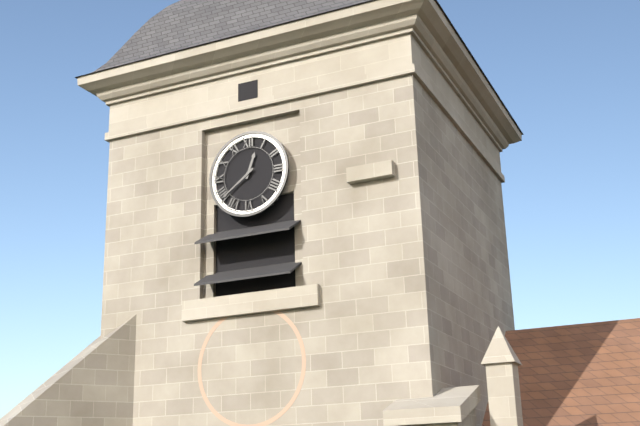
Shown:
12 h 39 min
